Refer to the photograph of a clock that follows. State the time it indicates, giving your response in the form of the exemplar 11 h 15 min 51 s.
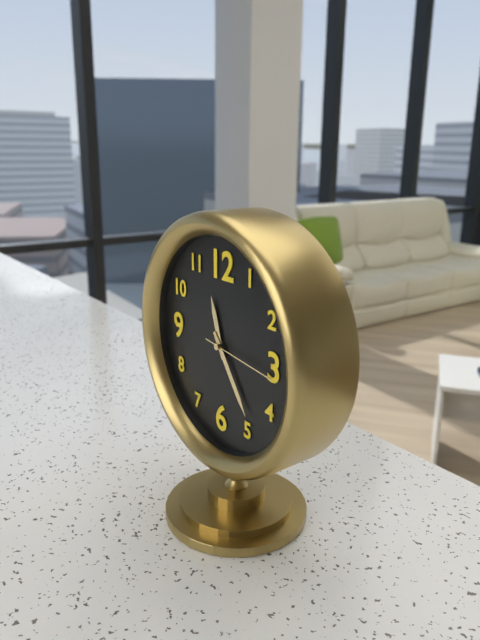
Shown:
11 h 24 min 16 s
